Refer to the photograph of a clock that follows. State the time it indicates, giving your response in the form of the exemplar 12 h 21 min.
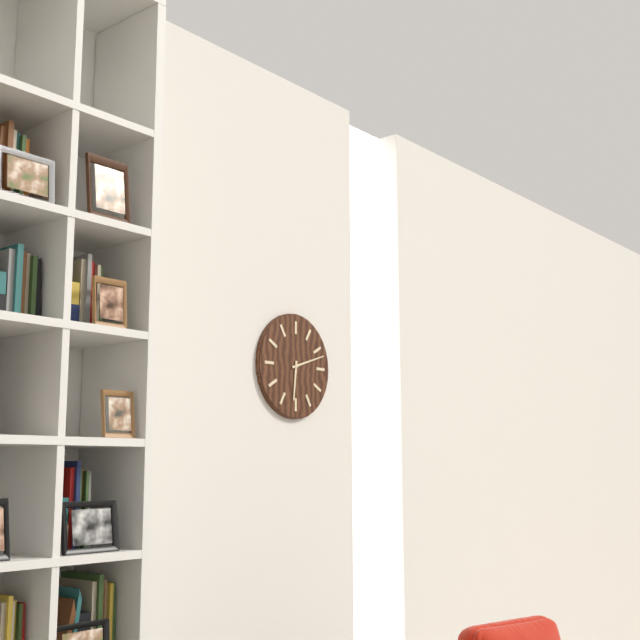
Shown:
6 h 12 min
